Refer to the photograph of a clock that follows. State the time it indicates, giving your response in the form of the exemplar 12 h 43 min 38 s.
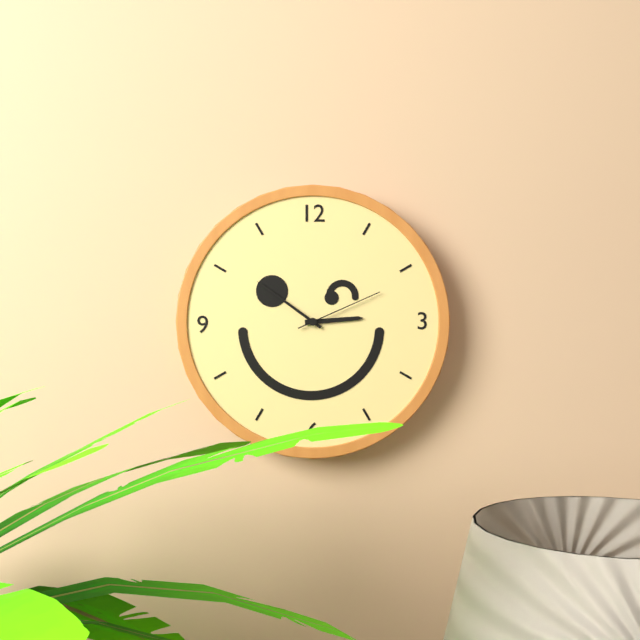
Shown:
2 h 51 min 11 s
